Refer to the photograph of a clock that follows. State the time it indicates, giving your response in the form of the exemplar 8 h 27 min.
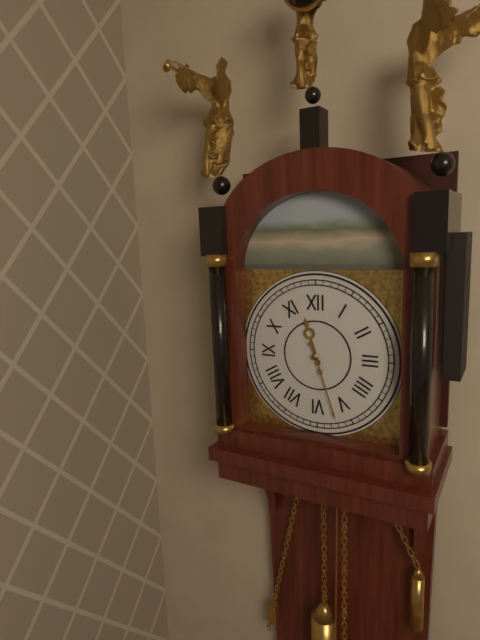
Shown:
11 h 27 min
